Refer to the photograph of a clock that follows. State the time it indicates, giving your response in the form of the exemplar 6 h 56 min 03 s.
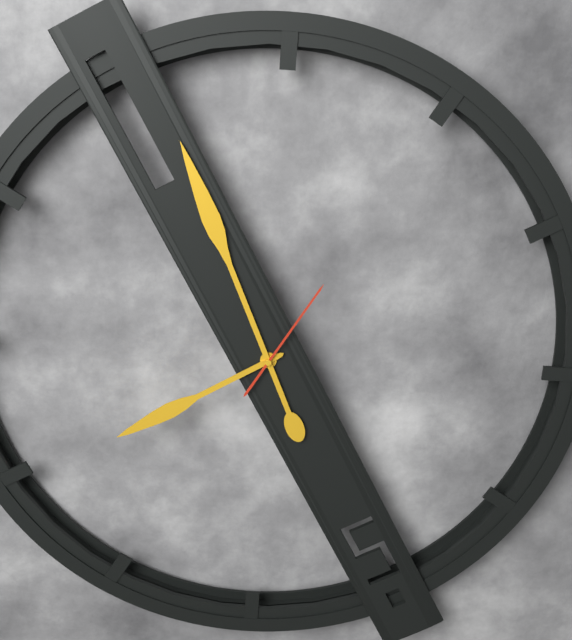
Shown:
7 h 56 min 05 s
